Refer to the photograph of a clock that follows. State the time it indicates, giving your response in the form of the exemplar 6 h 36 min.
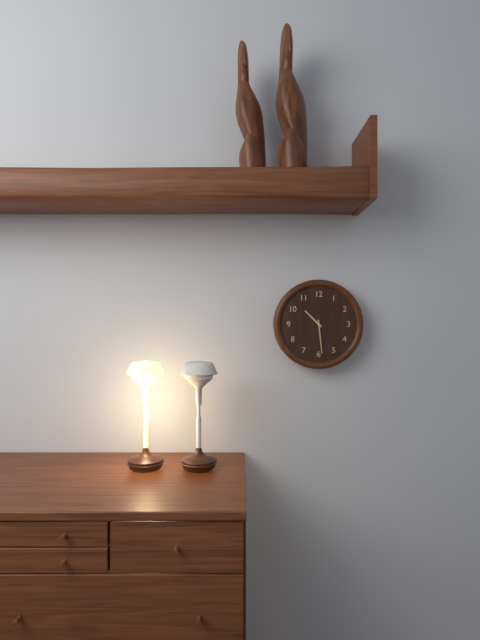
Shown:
10 h 29 min
